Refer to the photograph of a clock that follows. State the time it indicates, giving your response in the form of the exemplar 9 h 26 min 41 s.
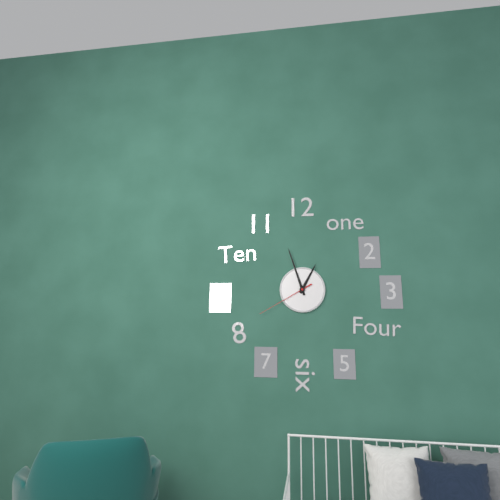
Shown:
12 h 57 min 40 s
